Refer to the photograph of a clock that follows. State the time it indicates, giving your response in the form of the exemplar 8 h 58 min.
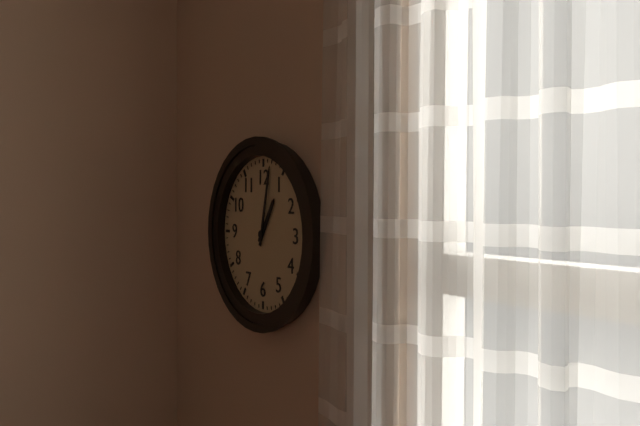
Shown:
1 h 02 min
